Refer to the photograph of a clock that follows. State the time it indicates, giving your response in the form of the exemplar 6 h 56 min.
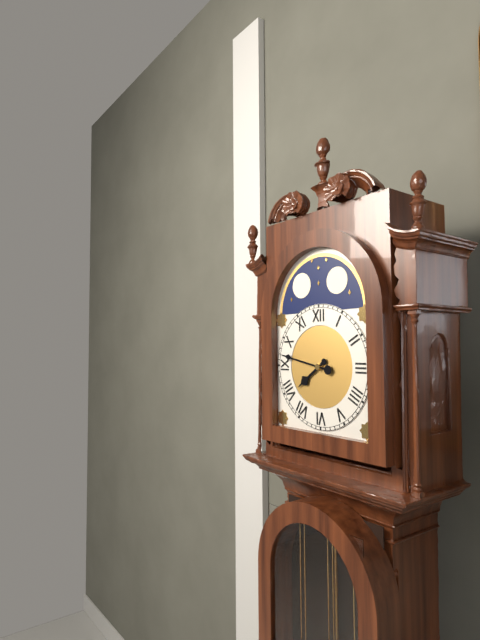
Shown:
7 h 47 min
